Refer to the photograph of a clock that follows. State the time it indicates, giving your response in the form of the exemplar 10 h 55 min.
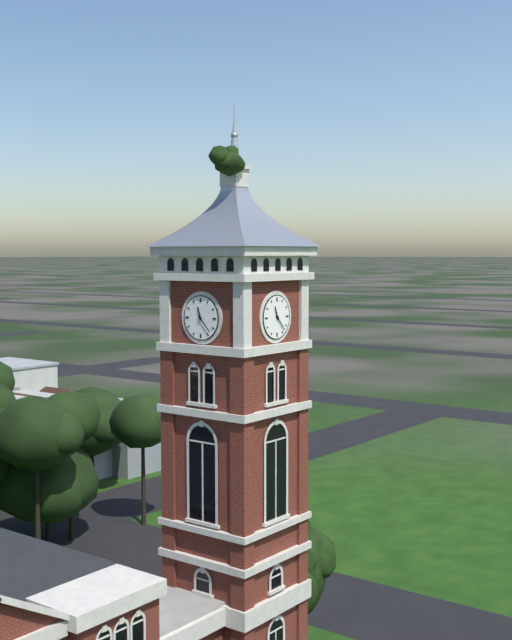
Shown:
11 h 23 min
